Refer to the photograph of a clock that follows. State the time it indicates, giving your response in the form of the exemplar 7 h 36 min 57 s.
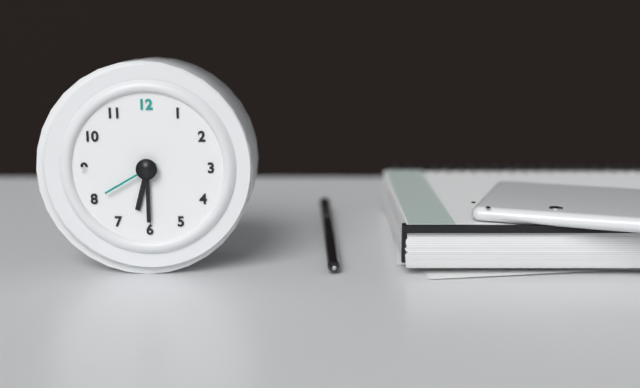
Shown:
6 h 30 min 40 s
